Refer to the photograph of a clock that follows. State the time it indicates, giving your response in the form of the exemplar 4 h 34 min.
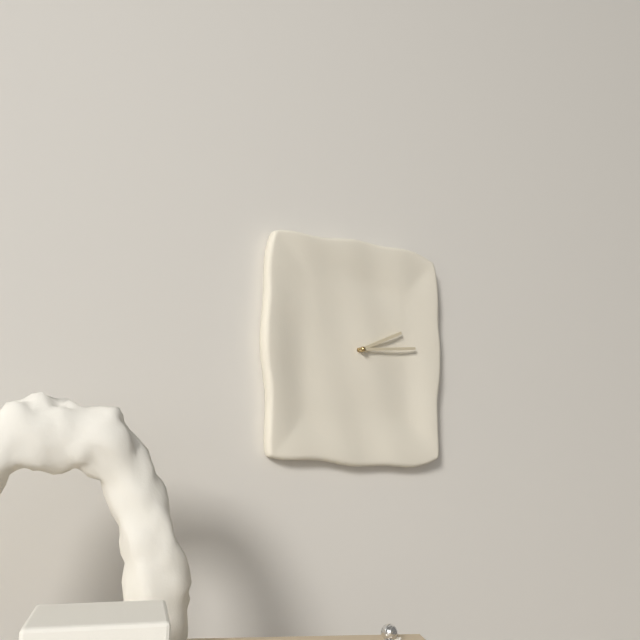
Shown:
2 h 14 min
